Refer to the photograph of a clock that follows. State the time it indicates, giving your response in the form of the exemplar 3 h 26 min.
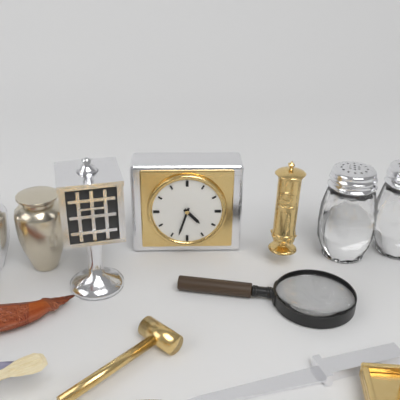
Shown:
4 h 33 min
